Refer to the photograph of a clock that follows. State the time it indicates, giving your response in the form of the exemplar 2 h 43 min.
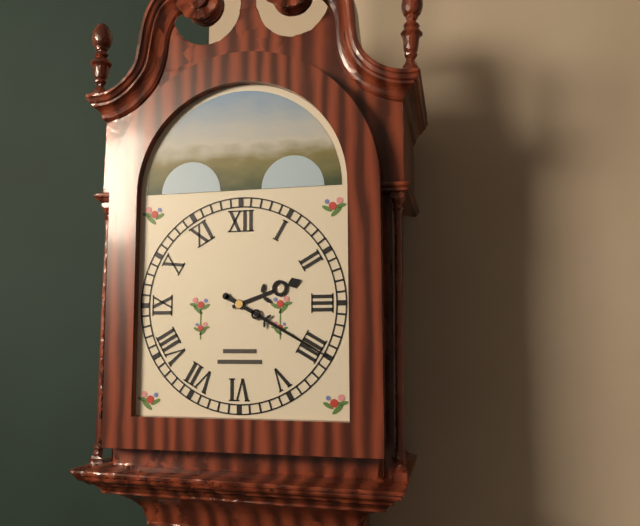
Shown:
2 h 20 min
